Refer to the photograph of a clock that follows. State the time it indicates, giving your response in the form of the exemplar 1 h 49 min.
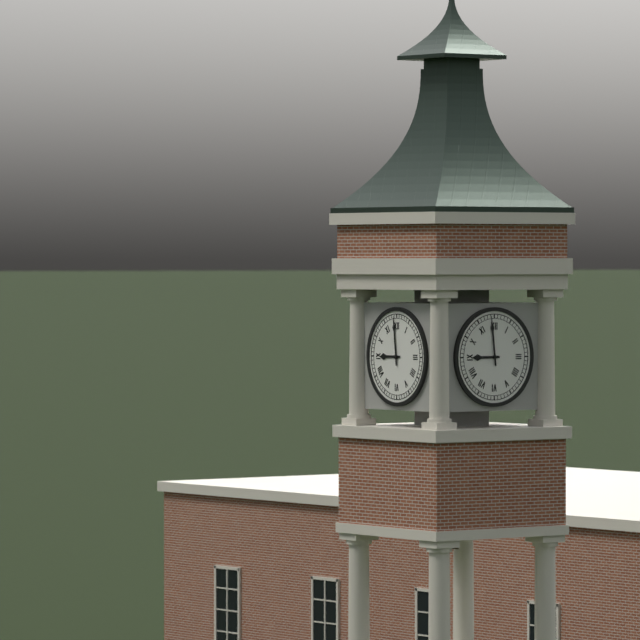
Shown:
8 h 59 min
